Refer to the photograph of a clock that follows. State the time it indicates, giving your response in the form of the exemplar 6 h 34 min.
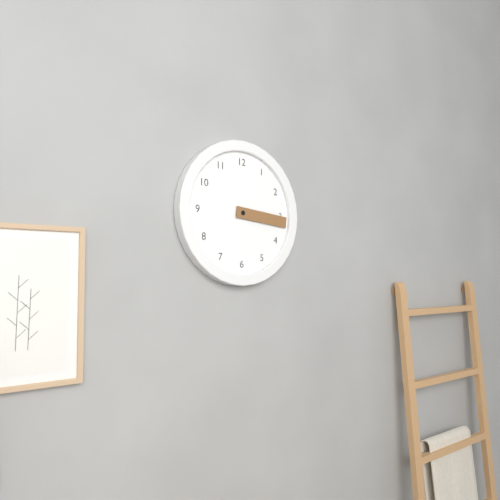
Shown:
3 h 16 min
